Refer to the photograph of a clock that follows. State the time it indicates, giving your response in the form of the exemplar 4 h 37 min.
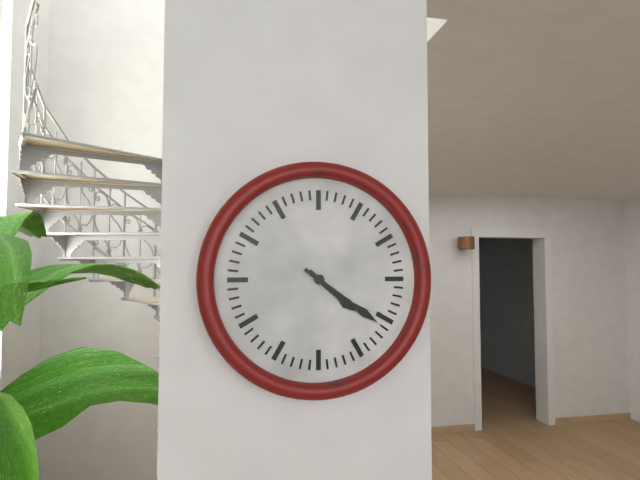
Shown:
4 h 21 min
